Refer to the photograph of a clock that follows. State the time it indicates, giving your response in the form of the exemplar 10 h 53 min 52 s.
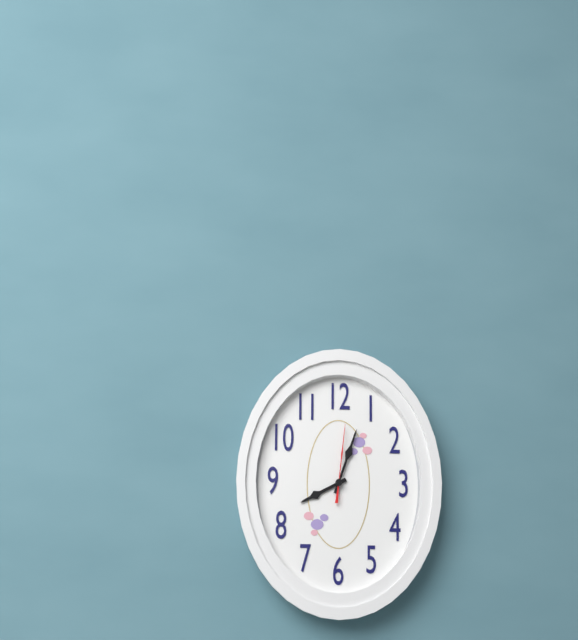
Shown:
8 h 03 min 01 s
